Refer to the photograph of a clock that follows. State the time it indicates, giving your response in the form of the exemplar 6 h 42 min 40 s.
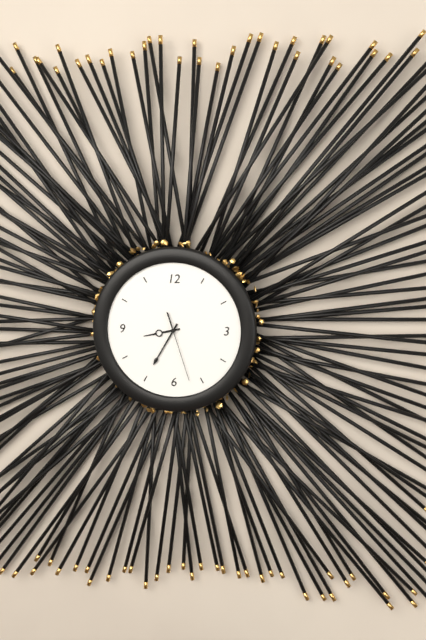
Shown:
8 h 35 min 27 s
